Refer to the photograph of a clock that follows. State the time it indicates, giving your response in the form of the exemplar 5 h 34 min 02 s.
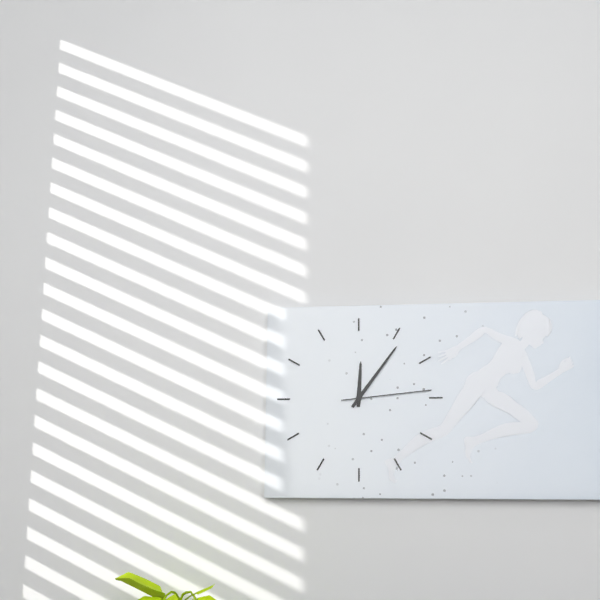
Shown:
12 h 06 min 14 s
